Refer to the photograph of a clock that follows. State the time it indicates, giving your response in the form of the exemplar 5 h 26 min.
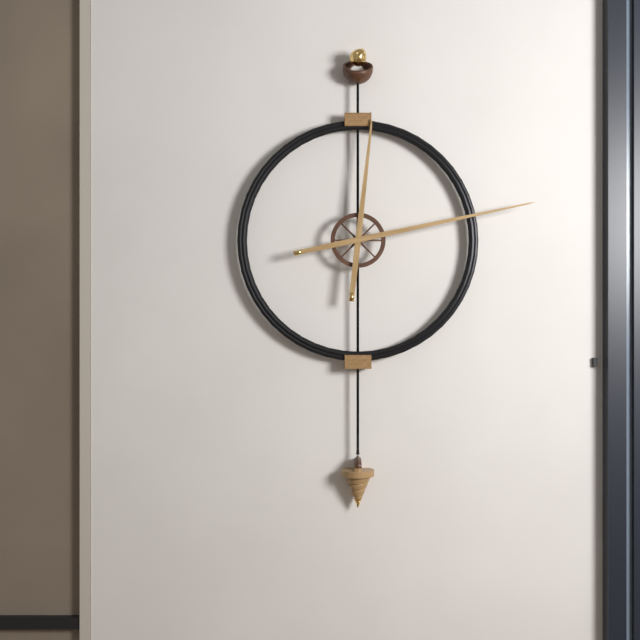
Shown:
12 h 13 min
